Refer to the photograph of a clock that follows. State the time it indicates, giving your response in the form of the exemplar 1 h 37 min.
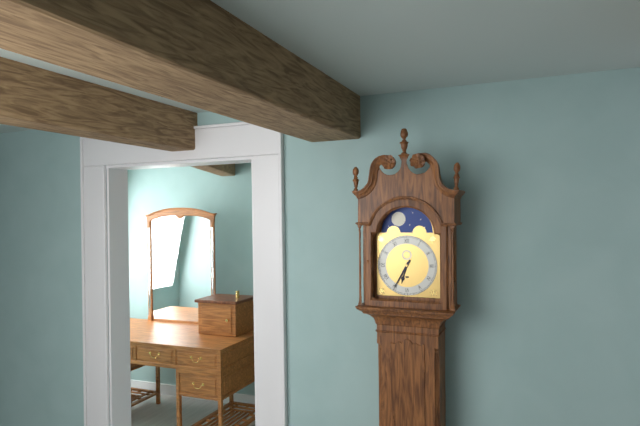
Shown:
6 h 35 min
